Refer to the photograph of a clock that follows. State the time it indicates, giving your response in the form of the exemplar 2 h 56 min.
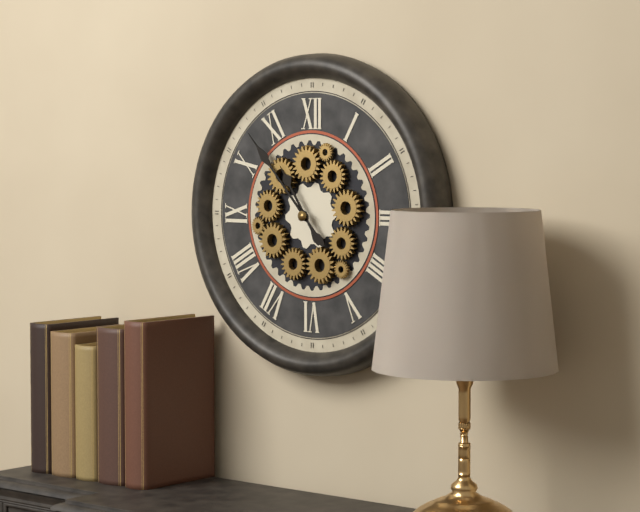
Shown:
10 h 53 min
